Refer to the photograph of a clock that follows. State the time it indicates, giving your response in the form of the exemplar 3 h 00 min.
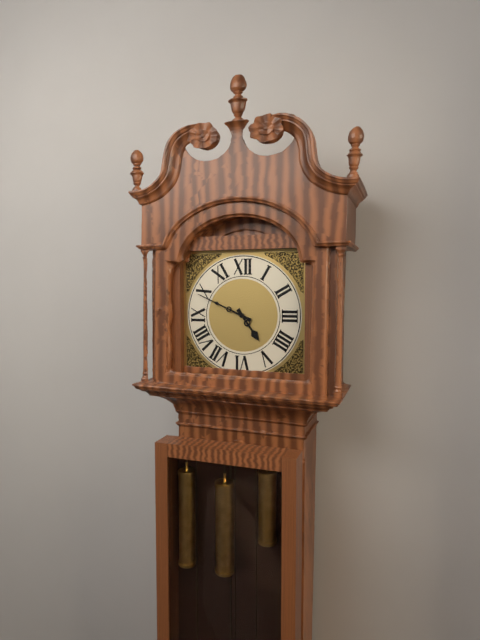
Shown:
4 h 49 min
